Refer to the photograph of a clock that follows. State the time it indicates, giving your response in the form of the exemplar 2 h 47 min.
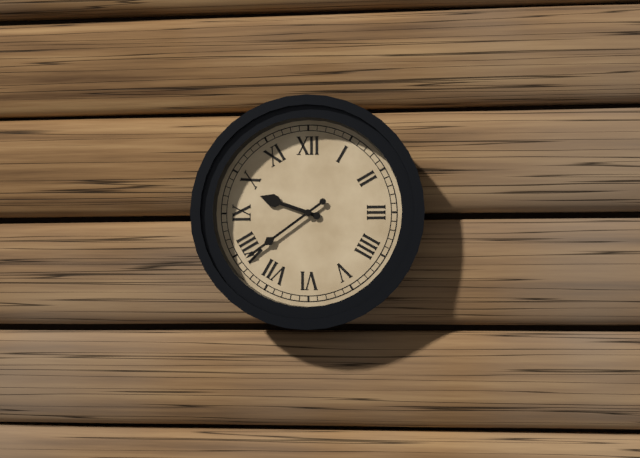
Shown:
9 h 39 min
